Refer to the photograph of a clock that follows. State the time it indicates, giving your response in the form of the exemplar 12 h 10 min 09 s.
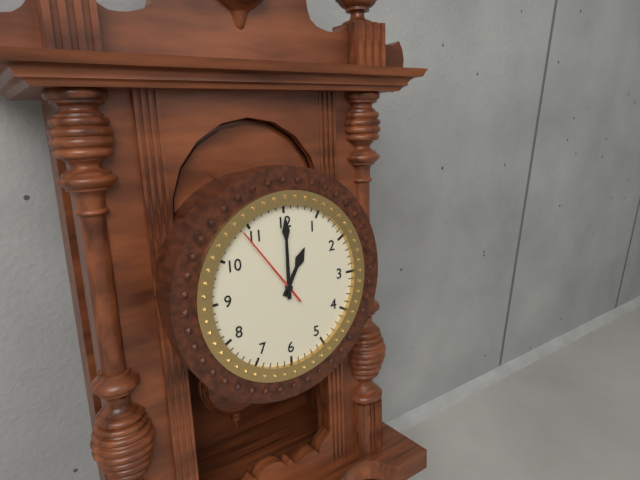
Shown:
1 h 00 min 54 s
